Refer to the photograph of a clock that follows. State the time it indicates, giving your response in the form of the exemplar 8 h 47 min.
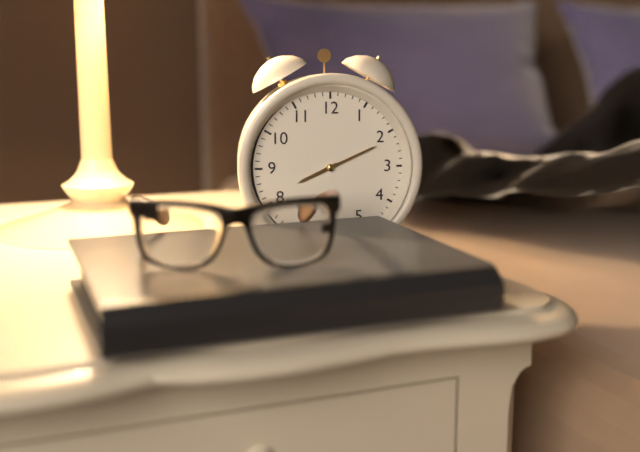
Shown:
8 h 11 min
